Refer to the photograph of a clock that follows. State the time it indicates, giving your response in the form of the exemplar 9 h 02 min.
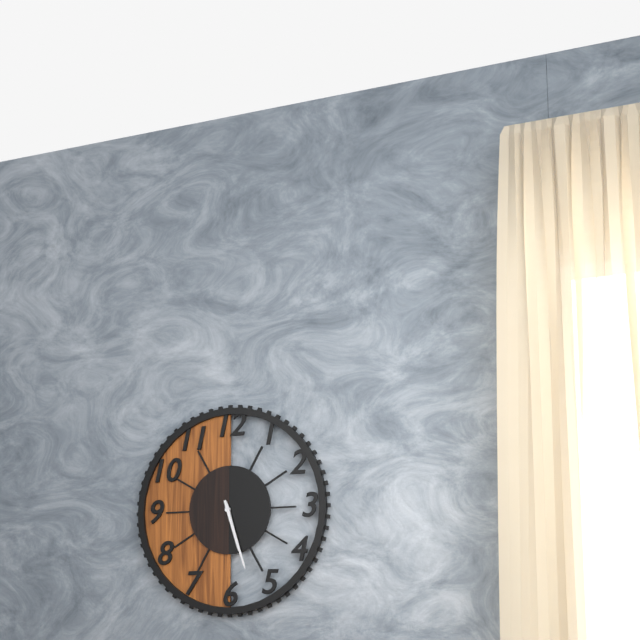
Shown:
5 h 27 min
